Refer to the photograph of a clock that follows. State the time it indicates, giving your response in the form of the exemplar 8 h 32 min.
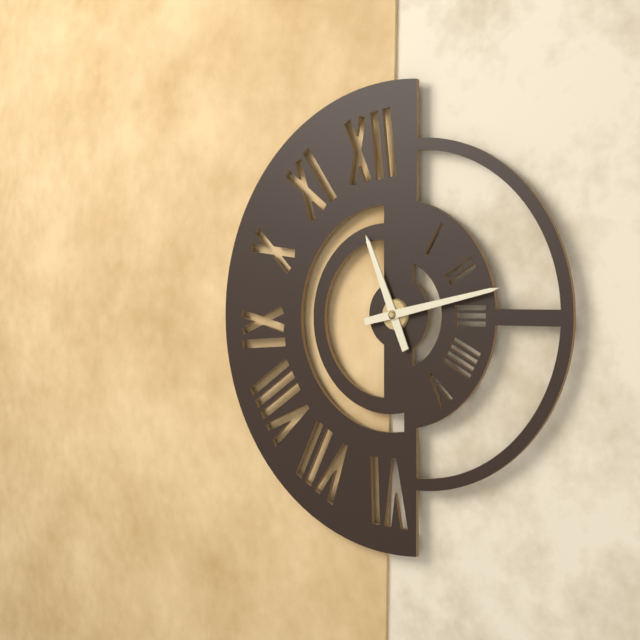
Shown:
11 h 13 min
